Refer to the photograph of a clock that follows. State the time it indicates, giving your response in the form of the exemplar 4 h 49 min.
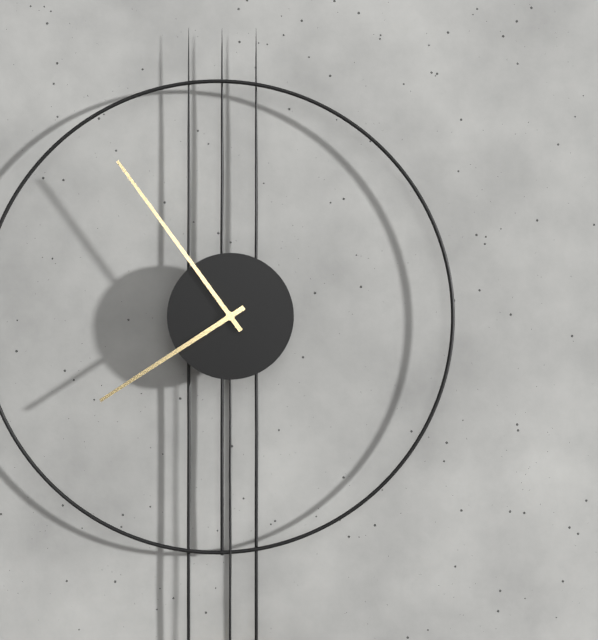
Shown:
7 h 54 min
